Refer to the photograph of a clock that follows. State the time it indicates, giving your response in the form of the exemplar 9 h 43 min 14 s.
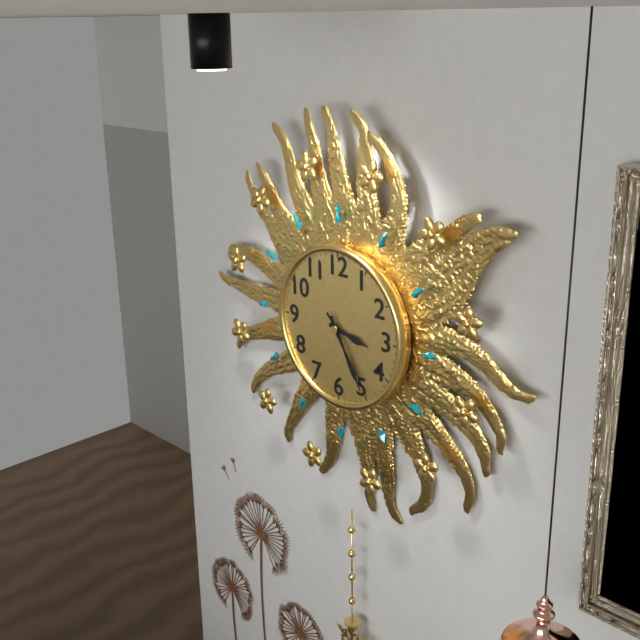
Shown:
3 h 25 min 24 s
